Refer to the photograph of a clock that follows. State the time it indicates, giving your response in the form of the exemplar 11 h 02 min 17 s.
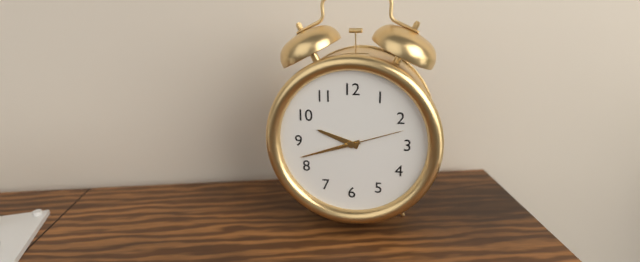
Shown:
9 h 42 min 12 s
